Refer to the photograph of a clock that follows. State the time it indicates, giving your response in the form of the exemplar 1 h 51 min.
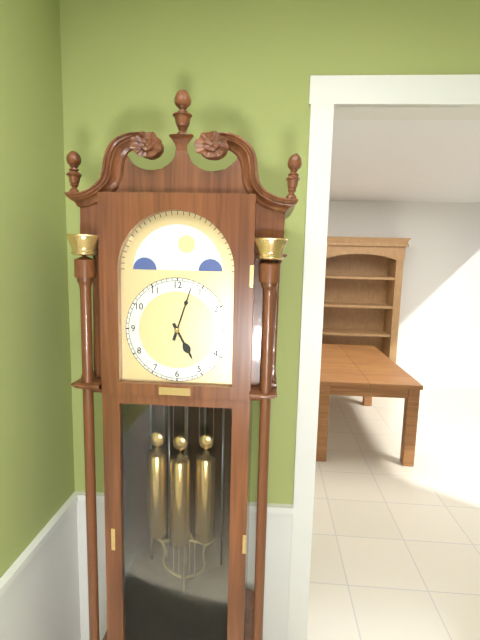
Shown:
5 h 03 min
